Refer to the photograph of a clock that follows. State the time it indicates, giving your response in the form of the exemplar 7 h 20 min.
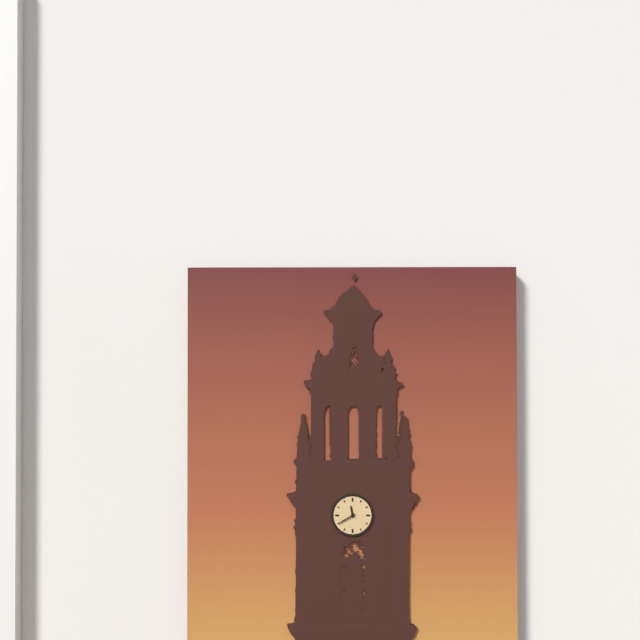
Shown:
11 h 40 min
